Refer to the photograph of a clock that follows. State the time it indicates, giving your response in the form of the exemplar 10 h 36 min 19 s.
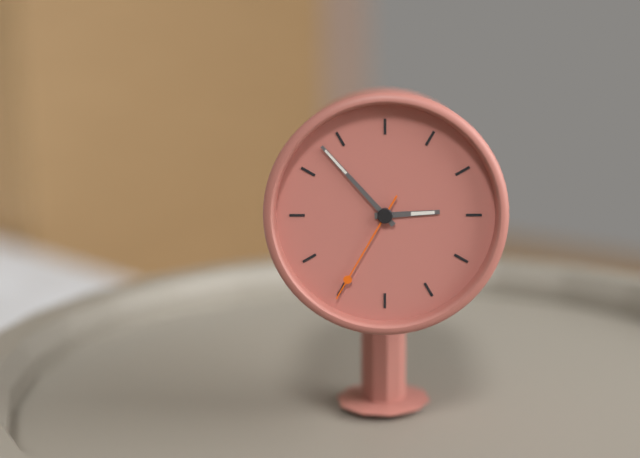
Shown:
2 h 53 min 35 s
